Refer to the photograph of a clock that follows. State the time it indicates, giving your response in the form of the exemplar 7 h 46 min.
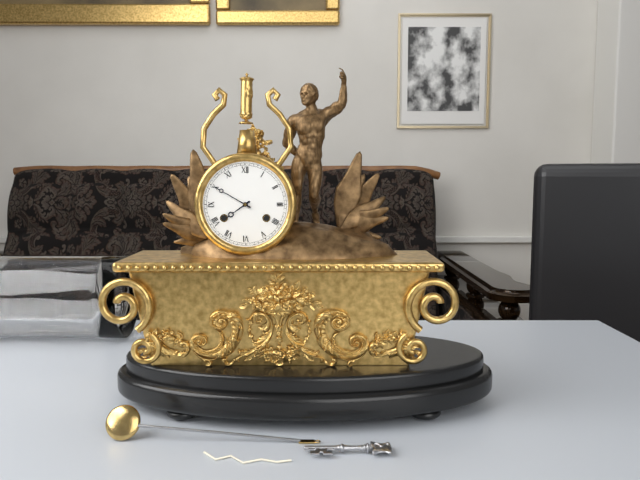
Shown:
7 h 50 min
